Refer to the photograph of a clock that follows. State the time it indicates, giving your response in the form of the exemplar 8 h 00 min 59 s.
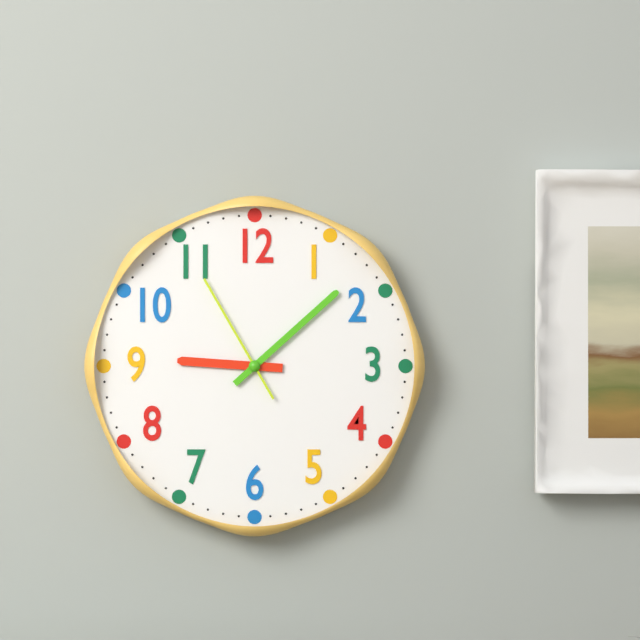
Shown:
9 h 08 min 55 s
